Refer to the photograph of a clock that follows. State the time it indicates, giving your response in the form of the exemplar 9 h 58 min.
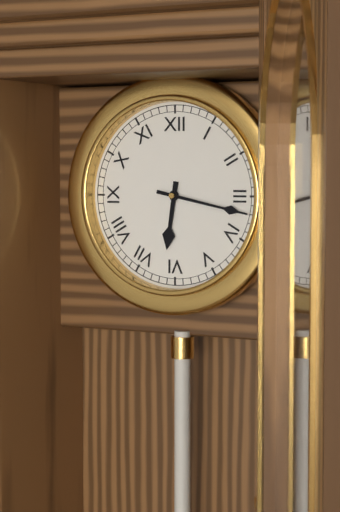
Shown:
6 h 17 min
